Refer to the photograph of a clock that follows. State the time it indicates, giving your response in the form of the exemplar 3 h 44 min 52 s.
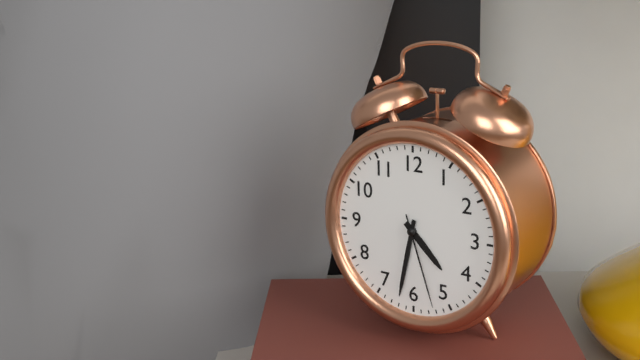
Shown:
4 h 32 min 27 s
